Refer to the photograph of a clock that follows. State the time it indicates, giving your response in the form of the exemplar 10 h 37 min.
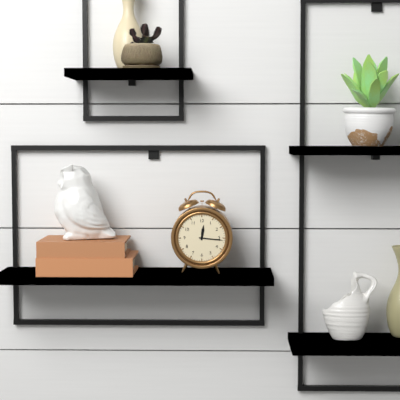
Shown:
12 h 16 min
